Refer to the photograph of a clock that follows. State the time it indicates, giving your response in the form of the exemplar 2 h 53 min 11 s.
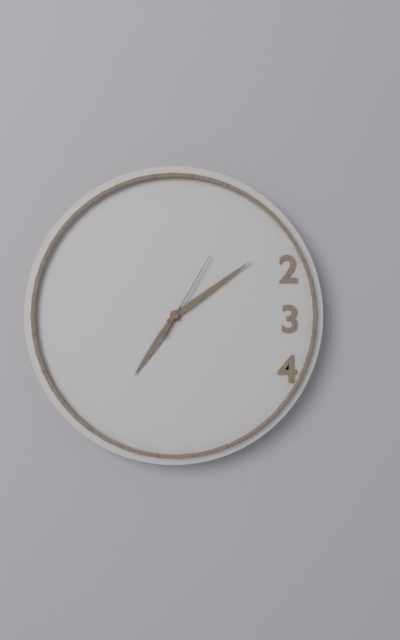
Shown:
7 h 09 min 05 s
